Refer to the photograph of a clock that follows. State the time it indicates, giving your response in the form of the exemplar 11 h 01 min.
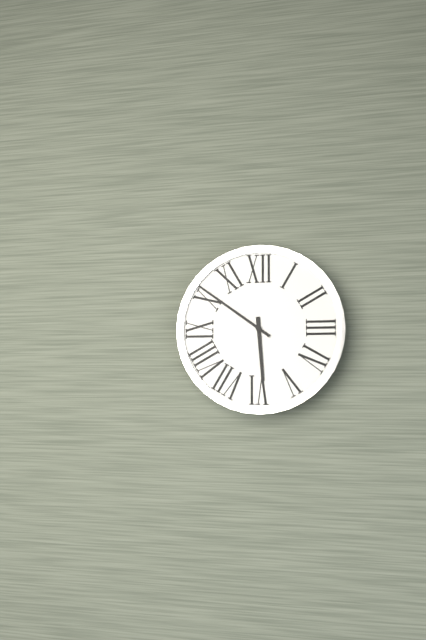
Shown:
5 h 51 min
